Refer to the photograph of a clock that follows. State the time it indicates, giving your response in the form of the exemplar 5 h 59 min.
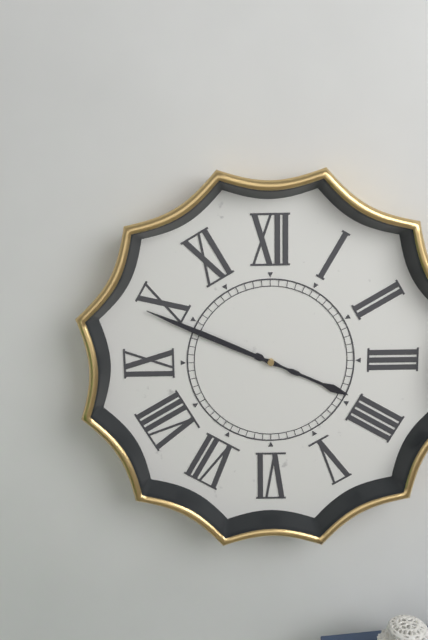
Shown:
3 h 49 min
